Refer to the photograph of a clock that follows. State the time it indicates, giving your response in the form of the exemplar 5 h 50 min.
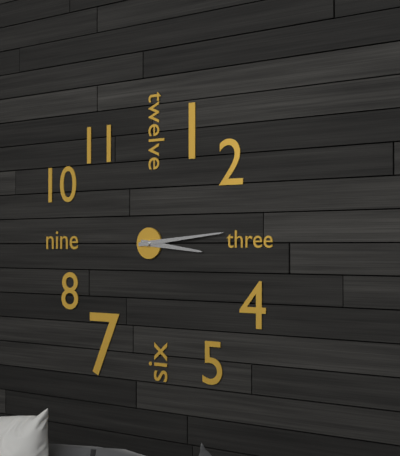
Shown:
3 h 14 min
